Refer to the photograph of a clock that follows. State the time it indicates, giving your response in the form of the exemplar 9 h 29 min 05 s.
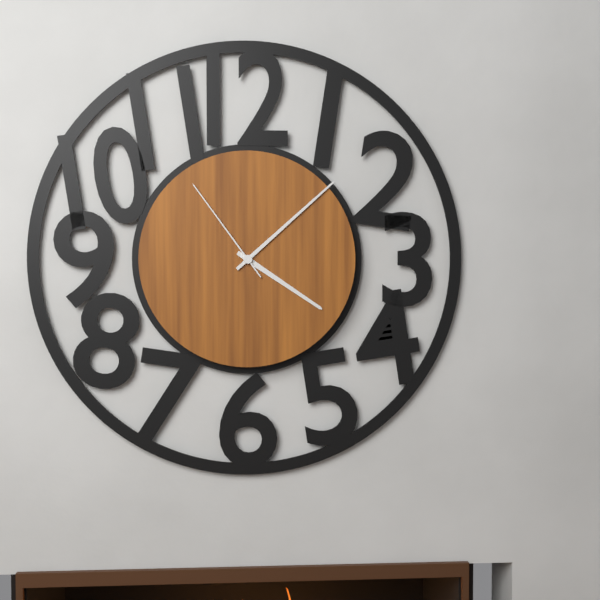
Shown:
4 h 08 min 54 s
